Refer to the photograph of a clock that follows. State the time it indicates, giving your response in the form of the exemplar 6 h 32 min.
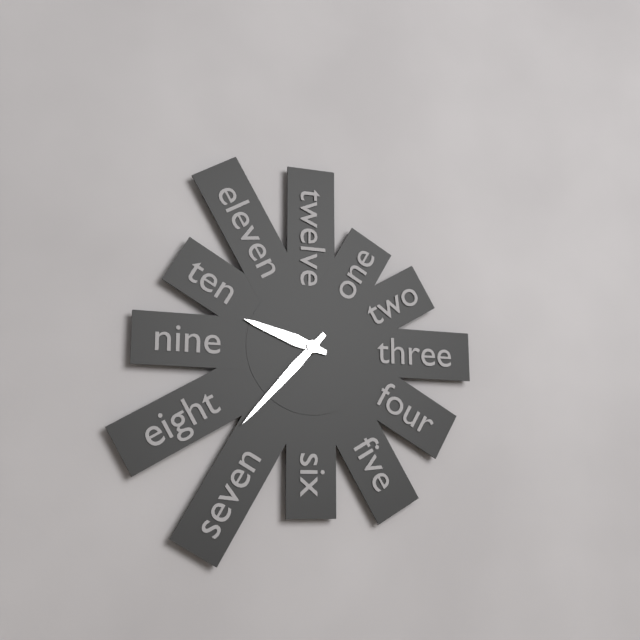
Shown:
9 h 37 min
